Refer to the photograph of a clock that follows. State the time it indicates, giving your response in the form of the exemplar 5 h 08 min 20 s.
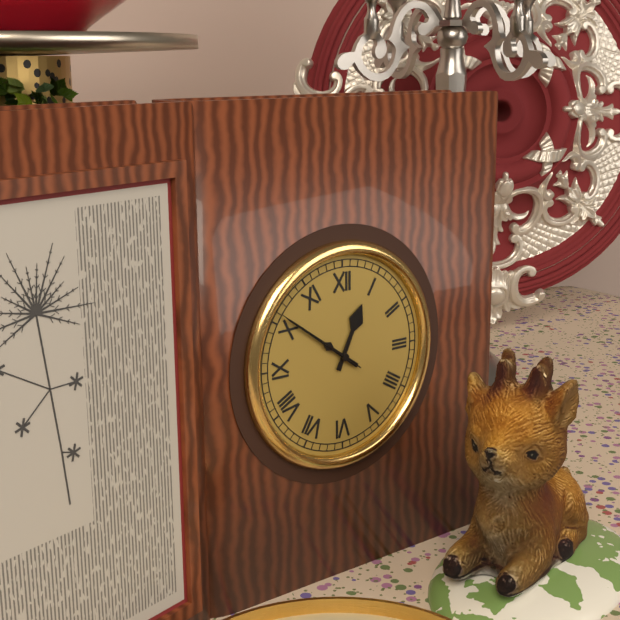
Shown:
12 h 51 min 51 s
